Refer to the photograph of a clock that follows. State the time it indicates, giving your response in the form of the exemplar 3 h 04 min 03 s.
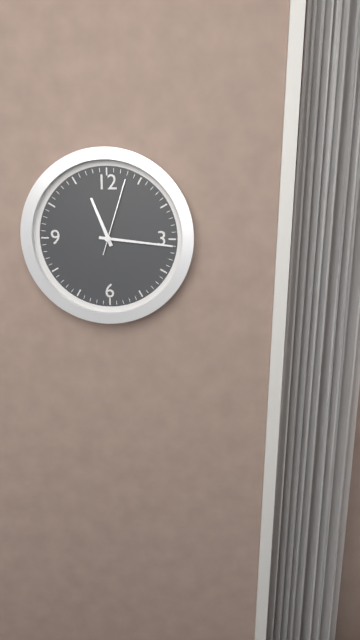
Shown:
11 h 16 min 03 s
